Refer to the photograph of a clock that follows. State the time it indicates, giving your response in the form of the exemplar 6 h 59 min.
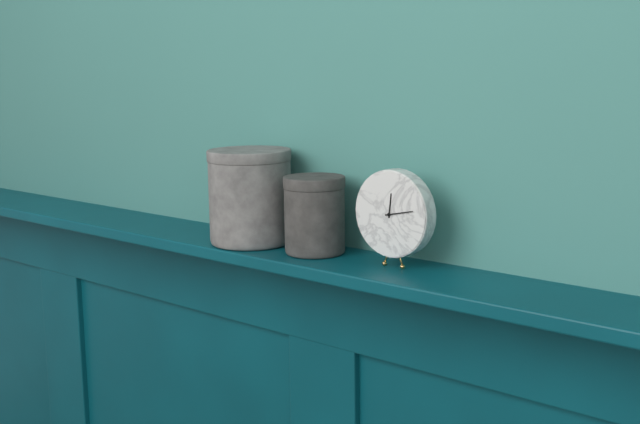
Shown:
12 h 13 min
